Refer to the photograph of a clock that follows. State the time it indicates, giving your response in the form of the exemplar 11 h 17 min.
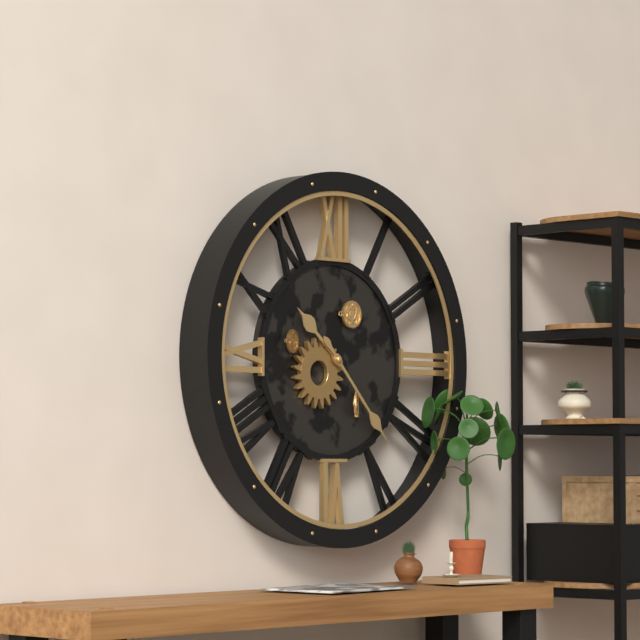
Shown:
10 h 23 min
